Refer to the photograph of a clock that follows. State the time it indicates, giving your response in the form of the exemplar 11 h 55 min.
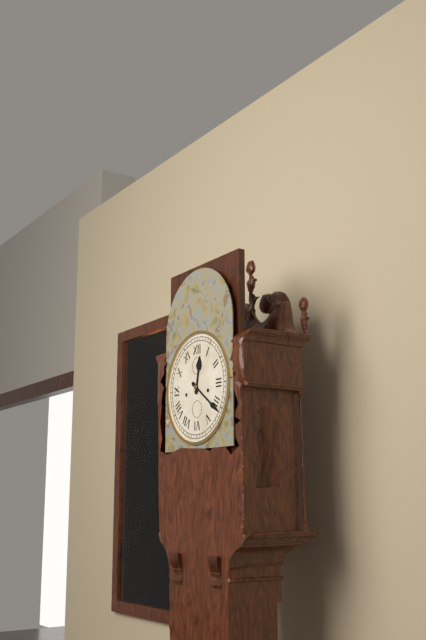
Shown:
12 h 21 min
